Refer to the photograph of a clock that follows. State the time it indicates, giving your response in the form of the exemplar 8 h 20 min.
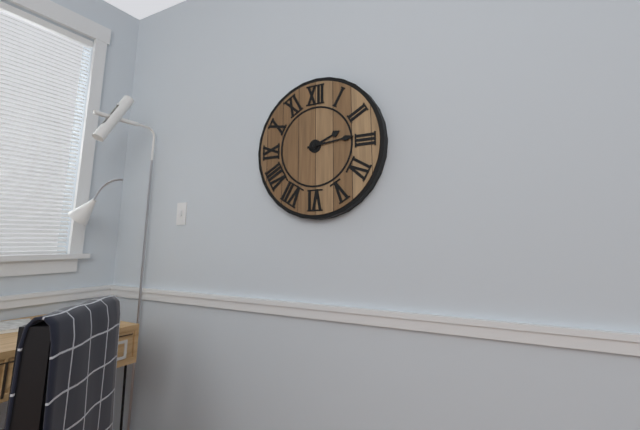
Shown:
2 h 14 min
